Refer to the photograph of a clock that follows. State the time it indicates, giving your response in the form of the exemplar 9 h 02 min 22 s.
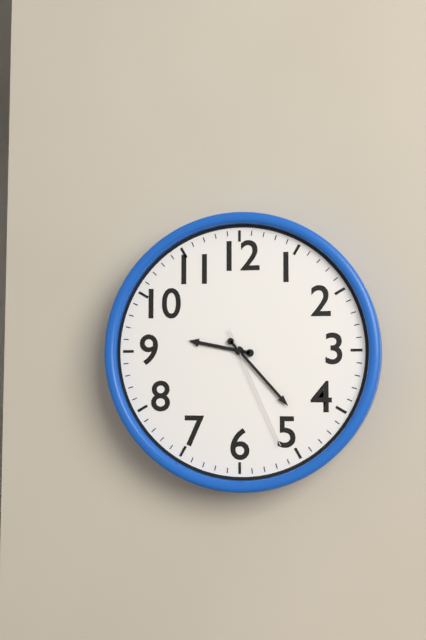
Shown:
9 h 23 min 26 s
